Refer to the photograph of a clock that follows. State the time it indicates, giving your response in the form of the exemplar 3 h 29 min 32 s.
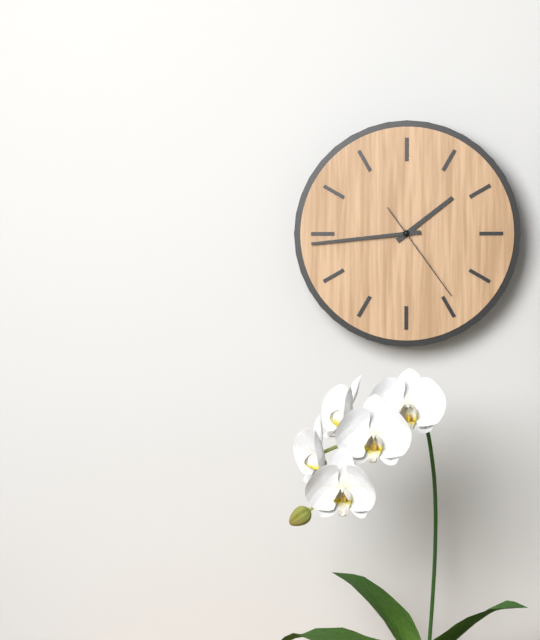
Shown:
1 h 44 min 24 s
